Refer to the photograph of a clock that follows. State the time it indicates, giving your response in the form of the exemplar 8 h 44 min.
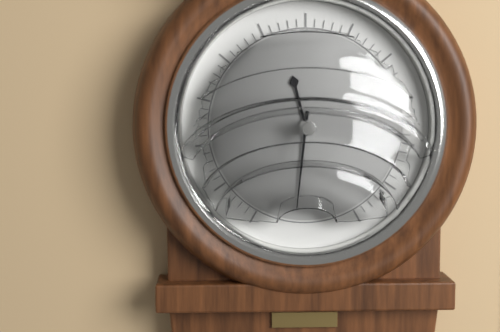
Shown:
11 h 31 min
